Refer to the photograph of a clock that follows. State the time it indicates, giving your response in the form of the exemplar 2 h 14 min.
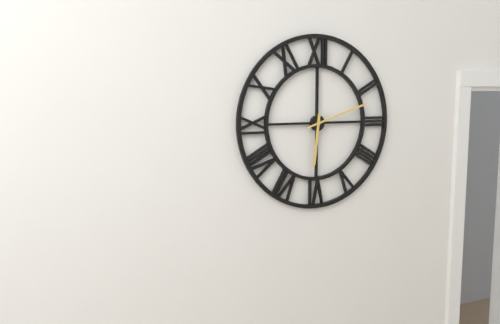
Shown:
6 h 12 min
